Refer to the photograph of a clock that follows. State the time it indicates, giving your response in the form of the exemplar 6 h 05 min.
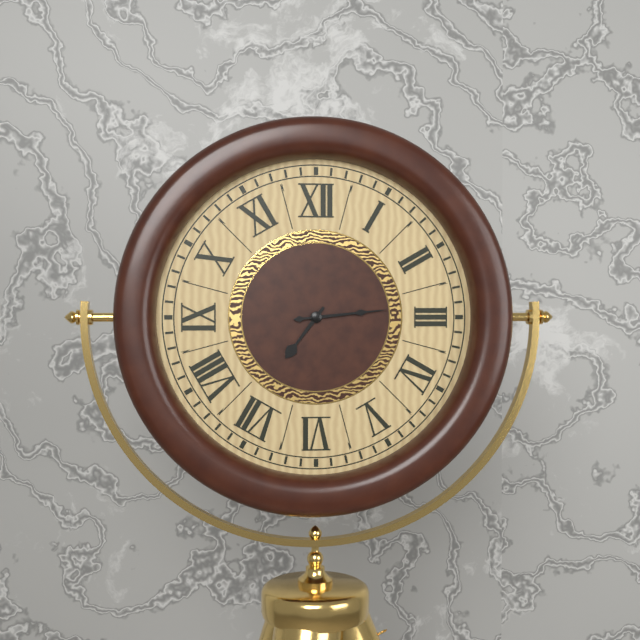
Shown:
7 h 14 min
